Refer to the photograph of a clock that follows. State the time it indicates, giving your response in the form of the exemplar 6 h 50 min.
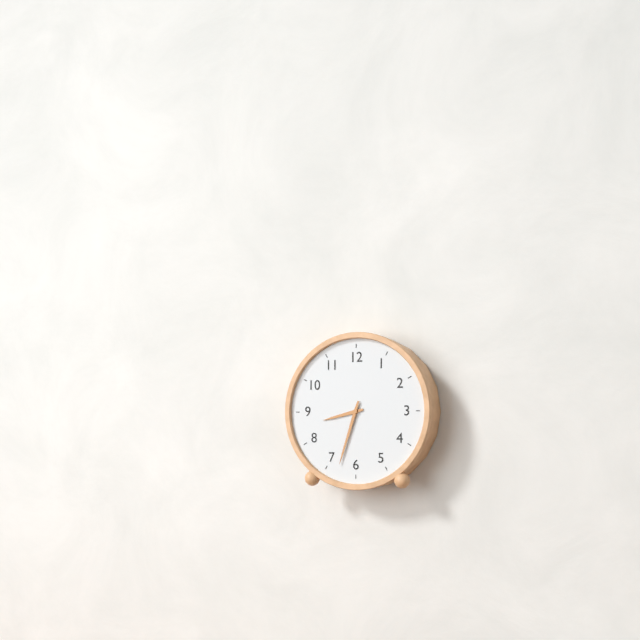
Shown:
8 h 33 min
